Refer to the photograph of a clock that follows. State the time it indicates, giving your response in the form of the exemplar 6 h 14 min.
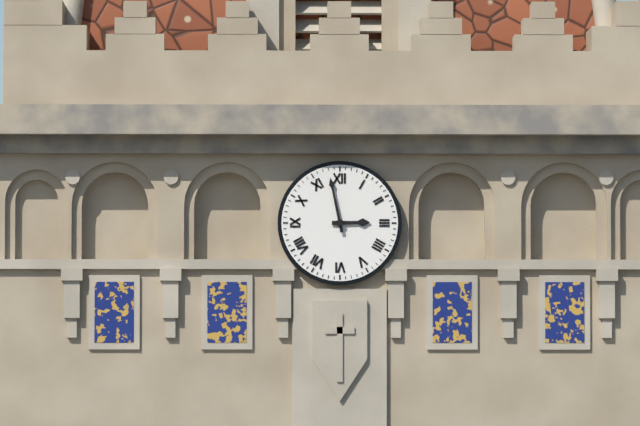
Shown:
2 h 58 min
